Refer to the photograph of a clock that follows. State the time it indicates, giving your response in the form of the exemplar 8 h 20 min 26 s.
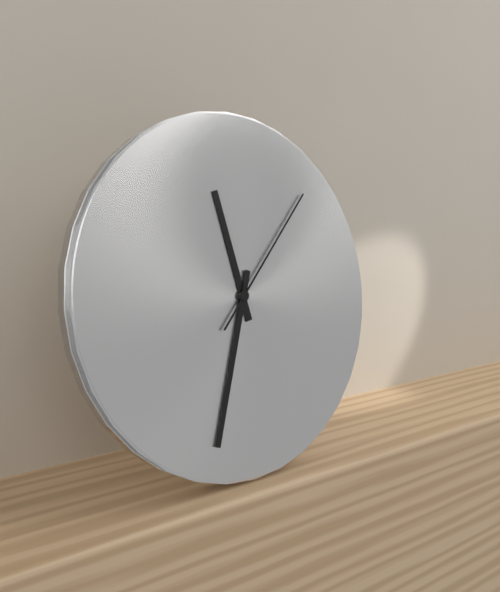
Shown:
11 h 33 min 07 s
